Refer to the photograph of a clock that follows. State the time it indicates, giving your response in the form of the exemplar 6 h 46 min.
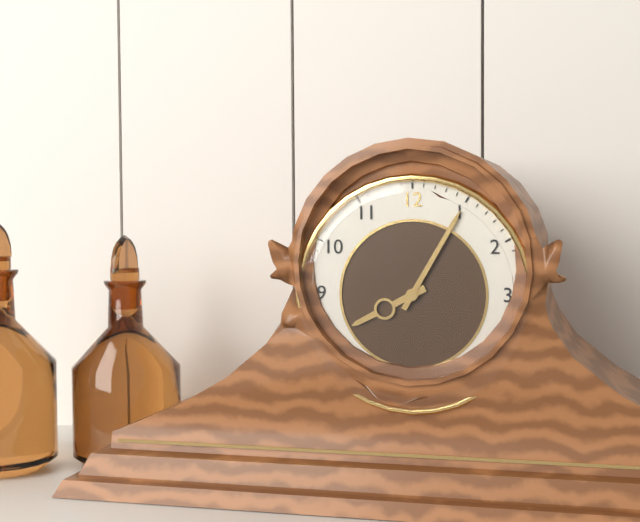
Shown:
8 h 05 min
